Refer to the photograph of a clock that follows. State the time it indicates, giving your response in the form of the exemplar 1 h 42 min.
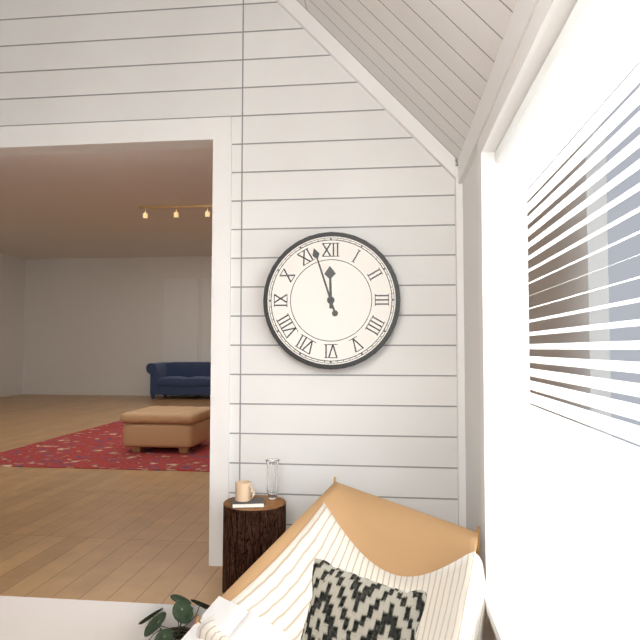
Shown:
11 h 57 min
